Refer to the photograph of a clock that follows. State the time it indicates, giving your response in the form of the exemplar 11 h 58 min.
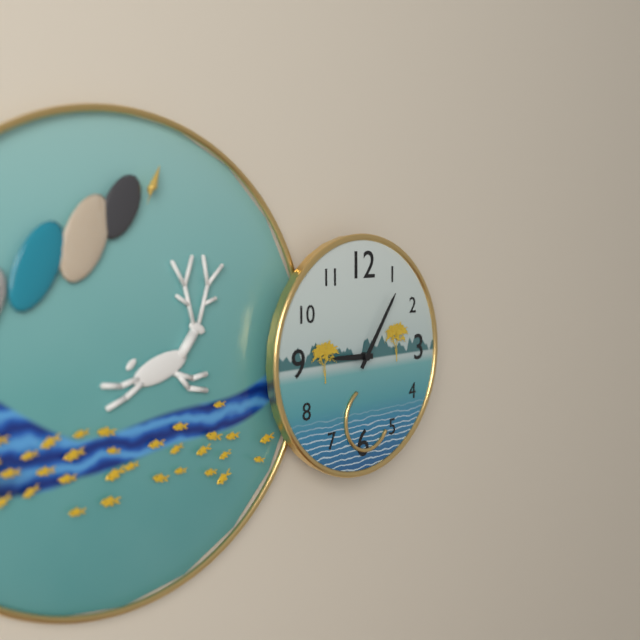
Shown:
9 h 06 min
